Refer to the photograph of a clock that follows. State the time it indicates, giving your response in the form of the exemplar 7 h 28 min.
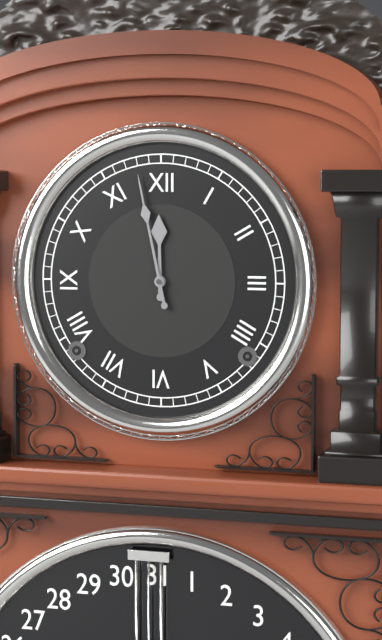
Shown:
11 h 58 min
